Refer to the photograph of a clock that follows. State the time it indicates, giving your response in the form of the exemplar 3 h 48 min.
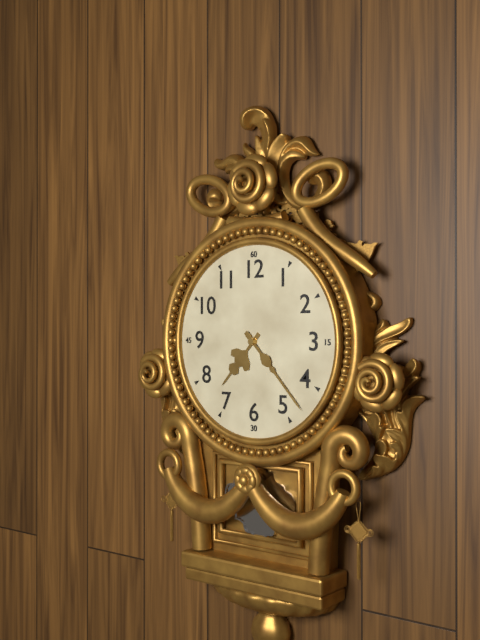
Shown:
7 h 23 min
